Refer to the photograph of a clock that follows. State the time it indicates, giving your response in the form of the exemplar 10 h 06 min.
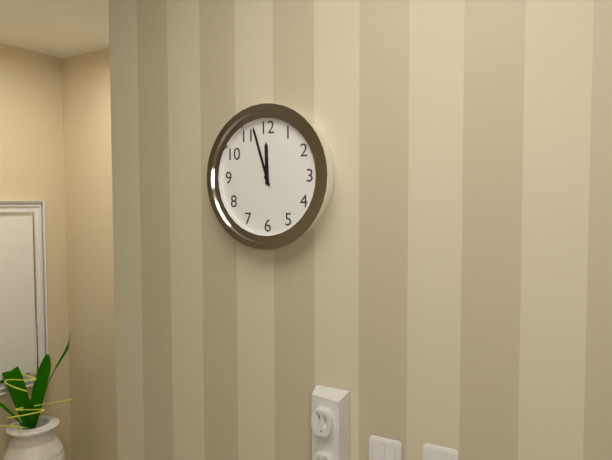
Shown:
11 h 57 min
